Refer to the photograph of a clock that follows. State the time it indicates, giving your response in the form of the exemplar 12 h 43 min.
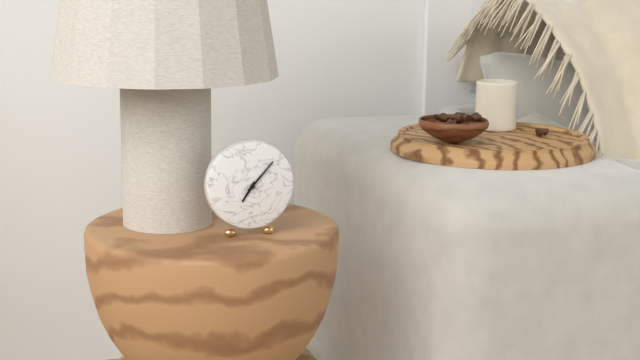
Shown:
7 h 07 min
